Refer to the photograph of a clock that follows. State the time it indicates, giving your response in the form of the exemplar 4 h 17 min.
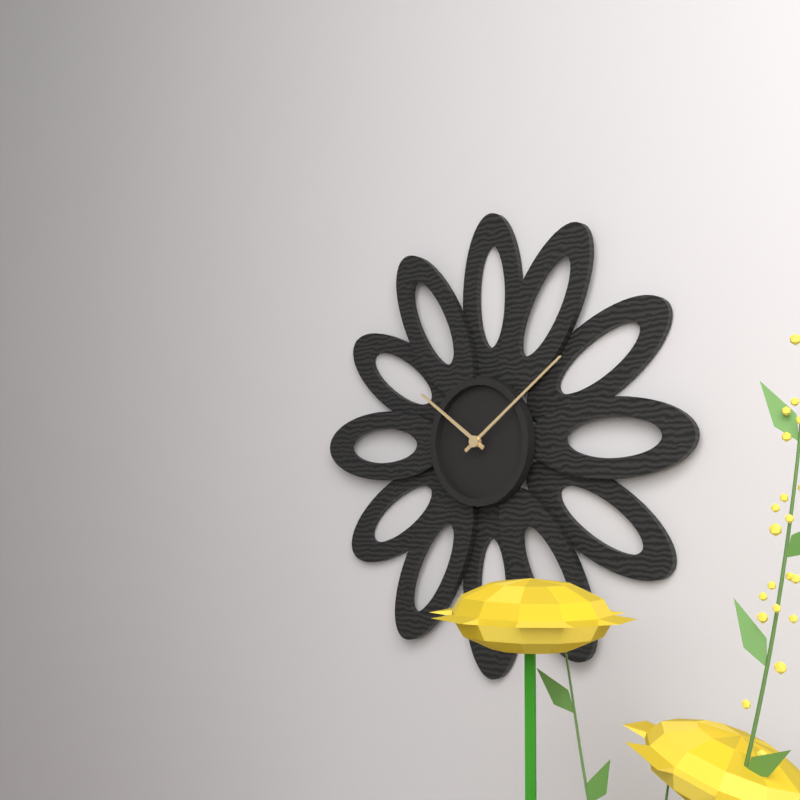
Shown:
10 h 09 min
